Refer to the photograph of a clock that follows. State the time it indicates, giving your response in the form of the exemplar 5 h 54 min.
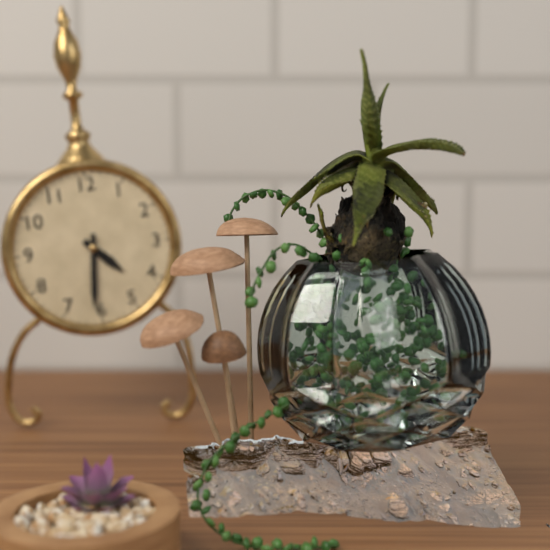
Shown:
4 h 31 min
